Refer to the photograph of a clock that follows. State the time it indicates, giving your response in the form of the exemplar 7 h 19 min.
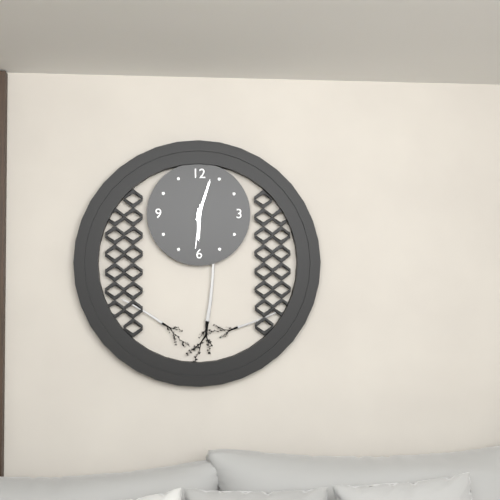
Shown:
6 h 03 min
